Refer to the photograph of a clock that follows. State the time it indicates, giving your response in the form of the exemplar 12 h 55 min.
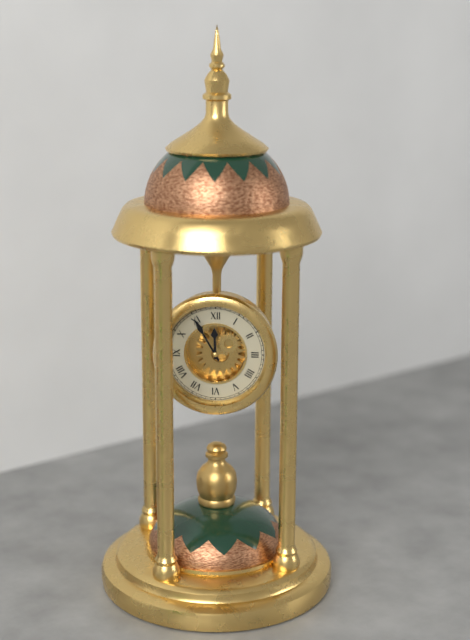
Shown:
11 h 55 min
